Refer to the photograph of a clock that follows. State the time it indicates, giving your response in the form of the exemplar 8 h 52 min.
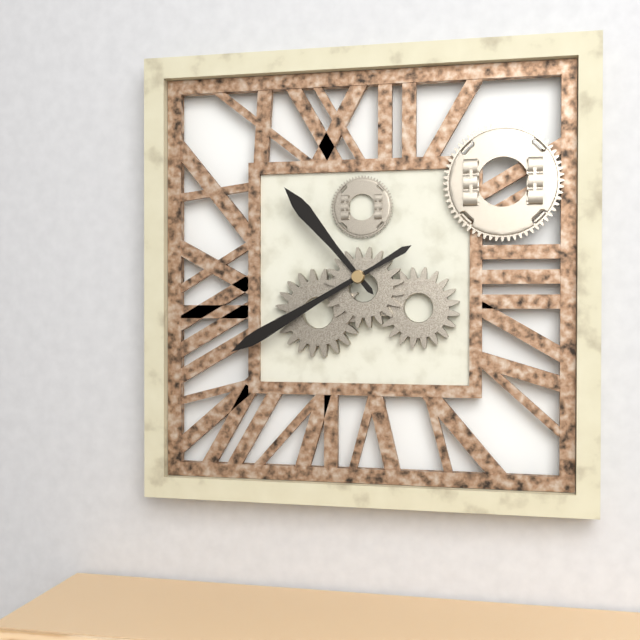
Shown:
10 h 40 min
